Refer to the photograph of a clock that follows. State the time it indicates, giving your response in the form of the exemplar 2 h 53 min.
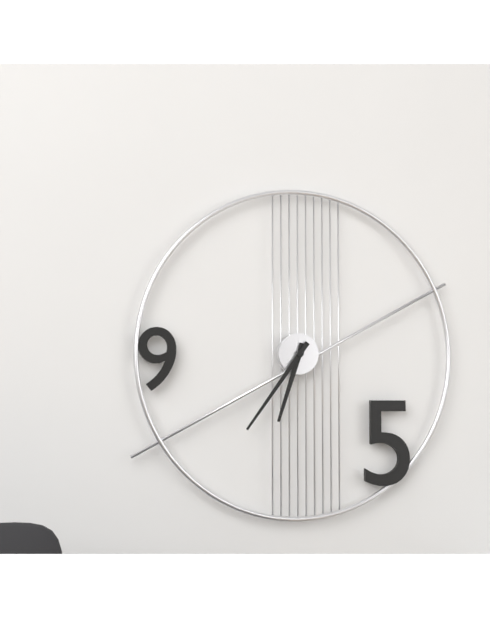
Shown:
6 h 36 min
